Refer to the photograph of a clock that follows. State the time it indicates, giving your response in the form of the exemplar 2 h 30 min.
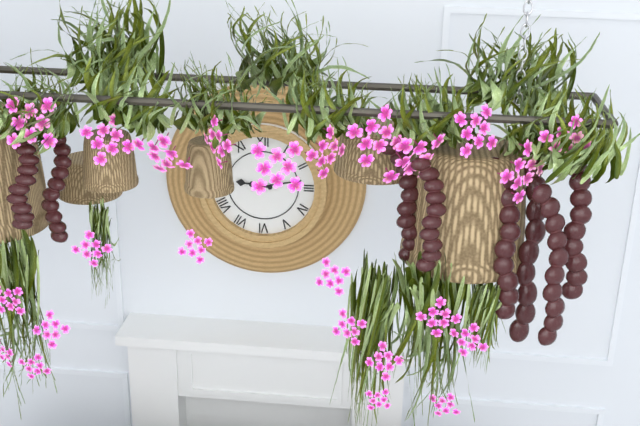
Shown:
9 h 13 min
